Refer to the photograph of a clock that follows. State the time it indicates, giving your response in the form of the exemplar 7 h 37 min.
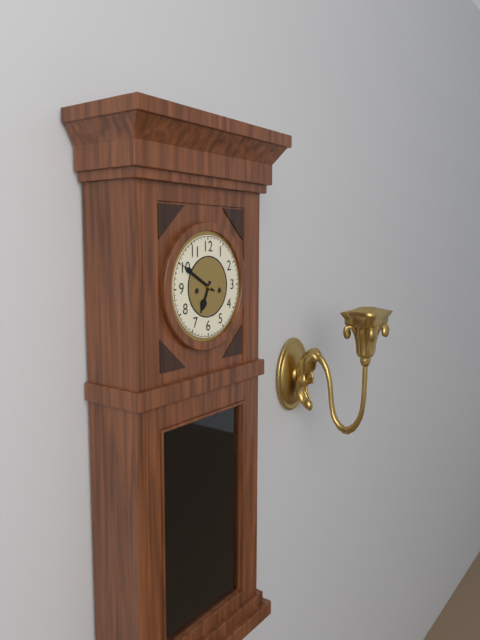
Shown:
6 h 50 min
